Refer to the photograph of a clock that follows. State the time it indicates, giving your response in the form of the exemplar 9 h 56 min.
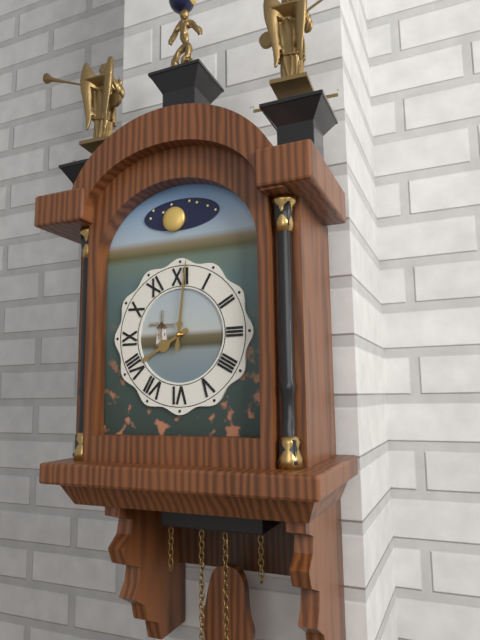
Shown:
8 h 01 min
